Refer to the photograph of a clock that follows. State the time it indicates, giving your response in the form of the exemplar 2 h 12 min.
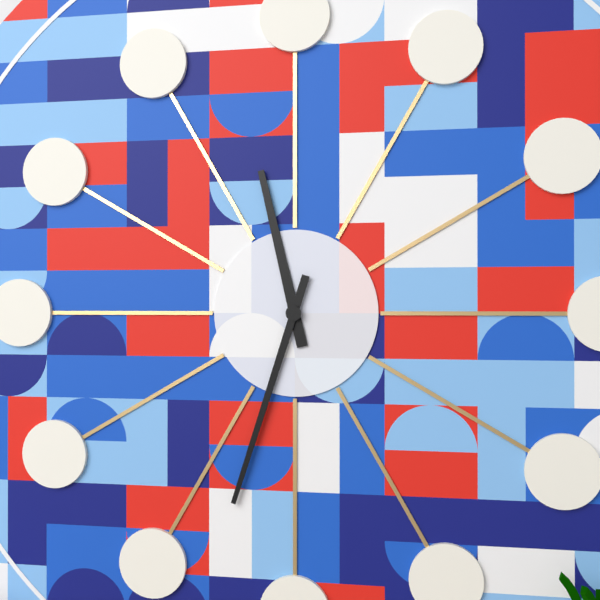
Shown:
11 h 33 min
